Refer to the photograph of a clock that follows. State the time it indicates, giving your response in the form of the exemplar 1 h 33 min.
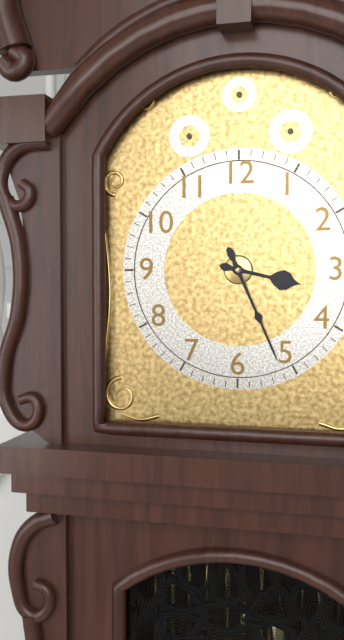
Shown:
3 h 26 min
